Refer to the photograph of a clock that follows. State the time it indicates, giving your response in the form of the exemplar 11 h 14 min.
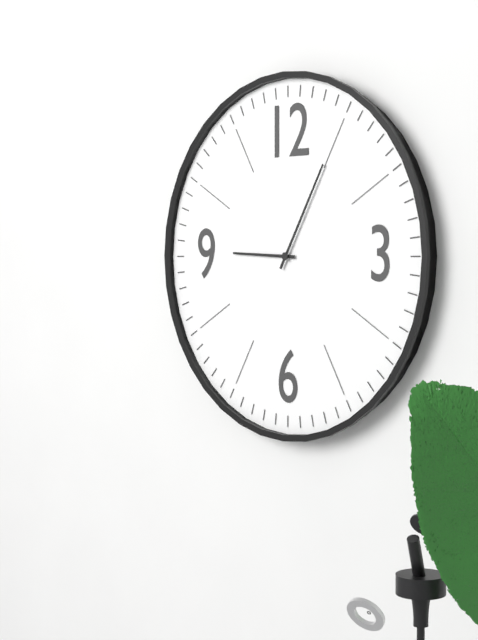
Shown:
9 h 05 min
